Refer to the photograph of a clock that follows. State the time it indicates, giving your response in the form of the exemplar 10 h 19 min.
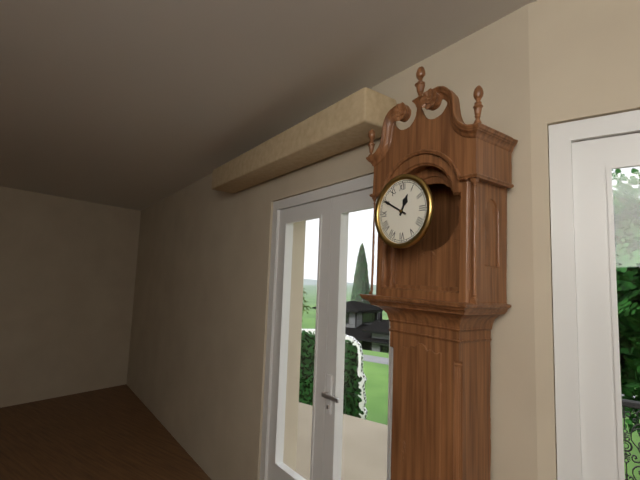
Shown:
12 h 50 min
